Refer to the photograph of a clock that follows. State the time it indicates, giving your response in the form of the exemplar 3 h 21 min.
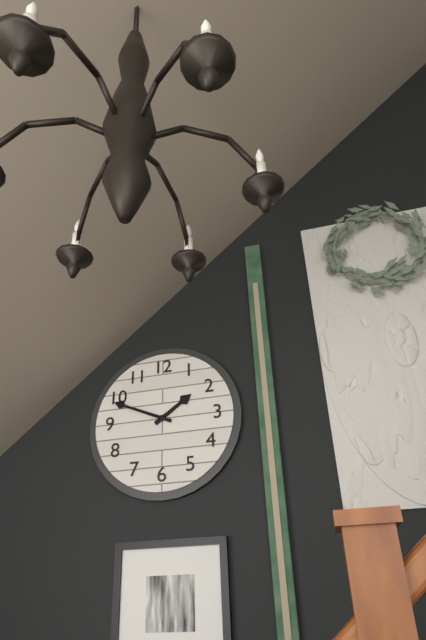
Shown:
1 h 49 min
